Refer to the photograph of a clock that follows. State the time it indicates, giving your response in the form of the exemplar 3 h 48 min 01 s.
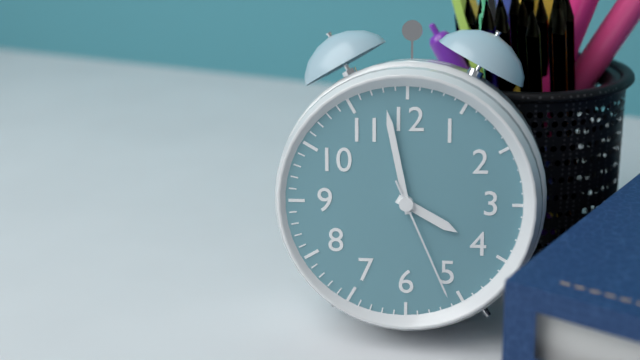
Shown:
3 h 58 min 26 s
